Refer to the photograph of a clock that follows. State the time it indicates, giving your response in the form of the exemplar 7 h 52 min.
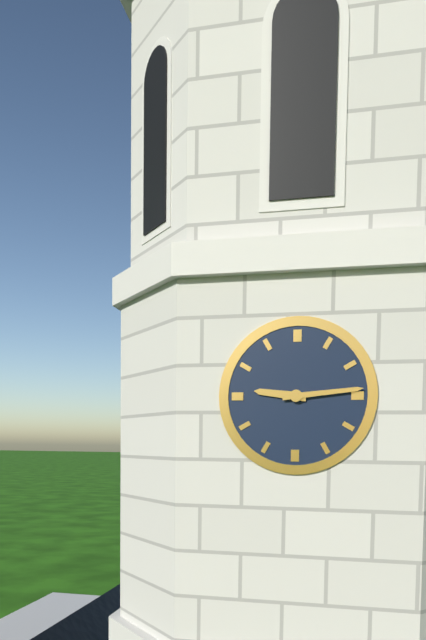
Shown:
9 h 14 min
